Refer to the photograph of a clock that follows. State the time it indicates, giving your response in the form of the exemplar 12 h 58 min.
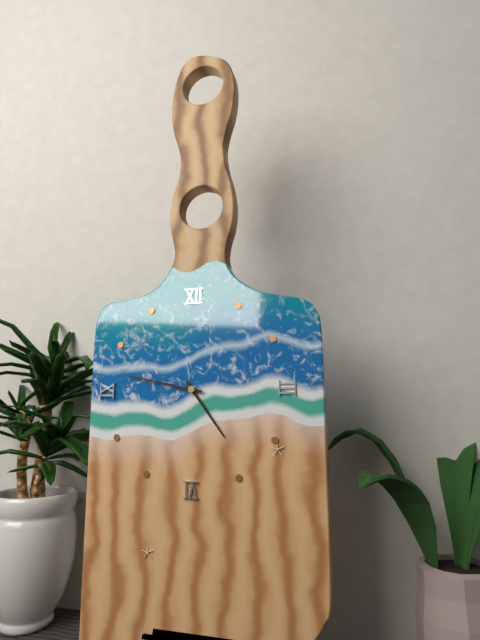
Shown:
4 h 47 min
